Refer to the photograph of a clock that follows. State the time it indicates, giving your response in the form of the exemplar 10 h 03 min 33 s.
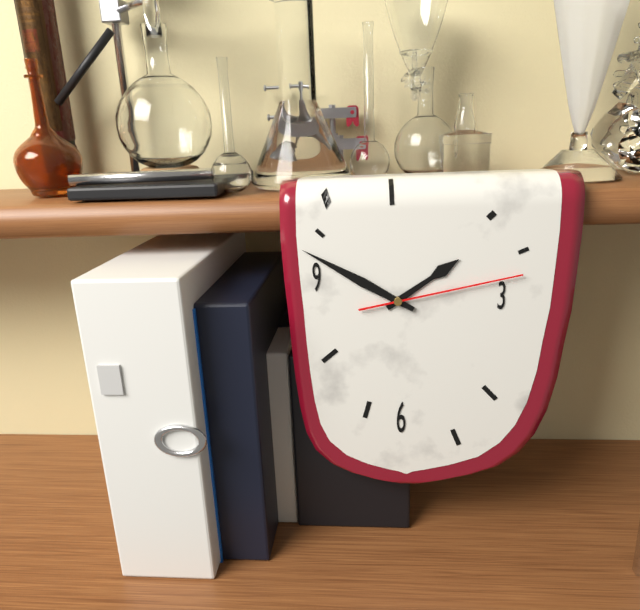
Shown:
1 h 50 min 13 s
